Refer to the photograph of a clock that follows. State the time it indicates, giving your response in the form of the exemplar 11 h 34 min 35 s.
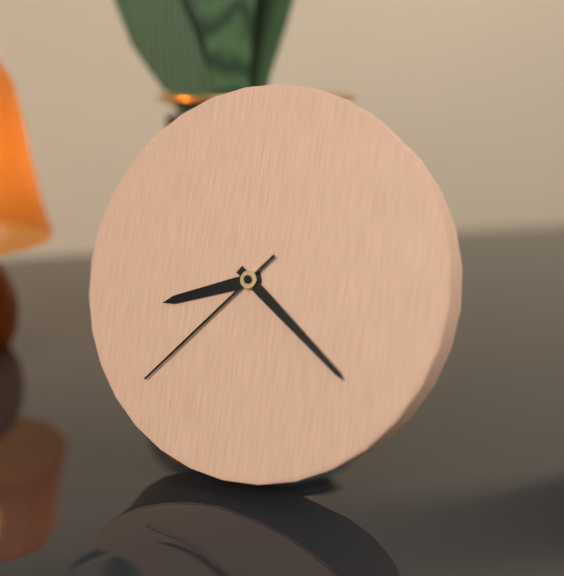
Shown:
8 h 21 min 37 s
